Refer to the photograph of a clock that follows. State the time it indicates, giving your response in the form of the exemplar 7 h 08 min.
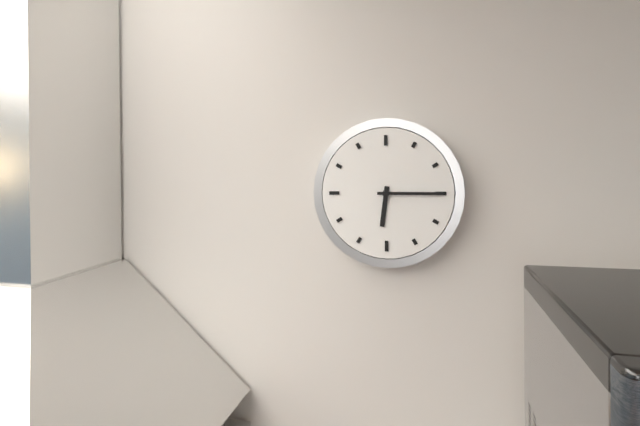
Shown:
6 h 15 min
